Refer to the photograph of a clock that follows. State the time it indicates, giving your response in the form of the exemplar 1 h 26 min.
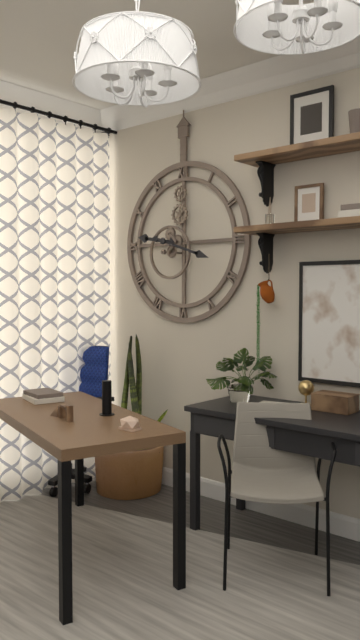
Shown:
9 h 18 min
